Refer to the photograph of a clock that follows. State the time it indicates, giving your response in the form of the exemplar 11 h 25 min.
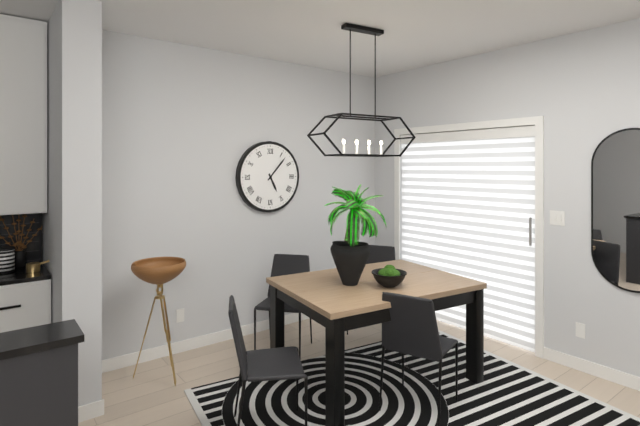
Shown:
5 h 07 min
